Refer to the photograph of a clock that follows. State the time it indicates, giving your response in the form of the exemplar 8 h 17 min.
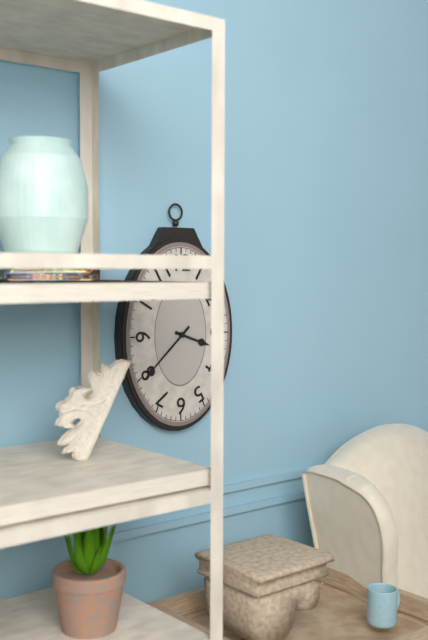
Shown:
3 h 38 min
